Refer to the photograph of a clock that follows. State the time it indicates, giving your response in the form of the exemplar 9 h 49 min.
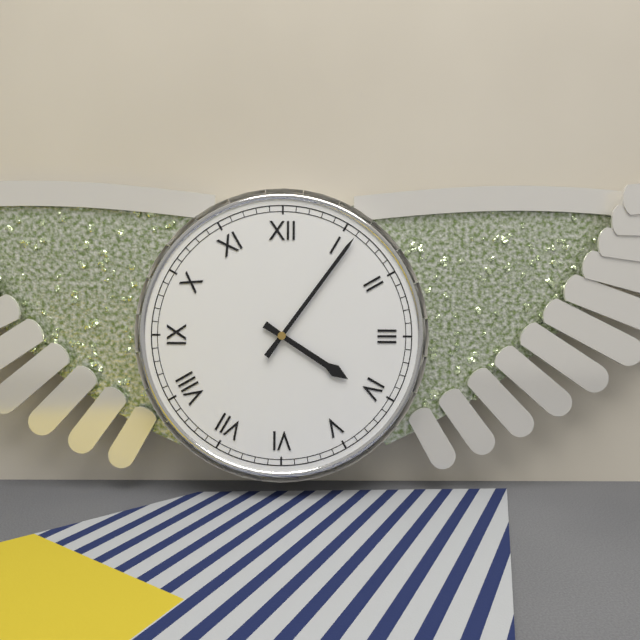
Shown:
4 h 06 min
